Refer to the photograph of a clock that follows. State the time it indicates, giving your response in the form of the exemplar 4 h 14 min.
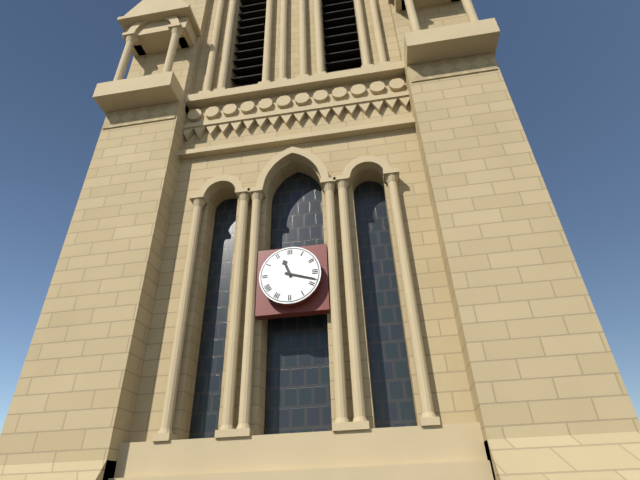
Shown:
11 h 18 min
